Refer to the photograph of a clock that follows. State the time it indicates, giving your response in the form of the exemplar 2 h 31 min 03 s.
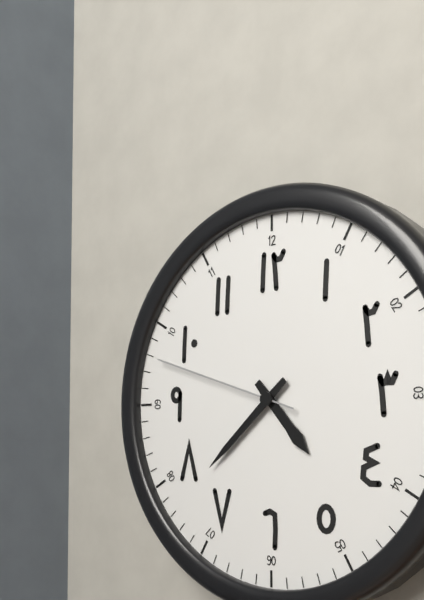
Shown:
4 h 38 min 48 s
